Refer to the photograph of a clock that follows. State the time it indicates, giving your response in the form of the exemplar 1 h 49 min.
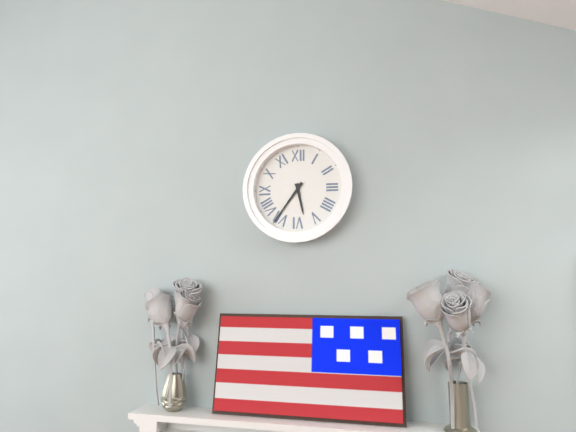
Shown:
5 h 36 min
